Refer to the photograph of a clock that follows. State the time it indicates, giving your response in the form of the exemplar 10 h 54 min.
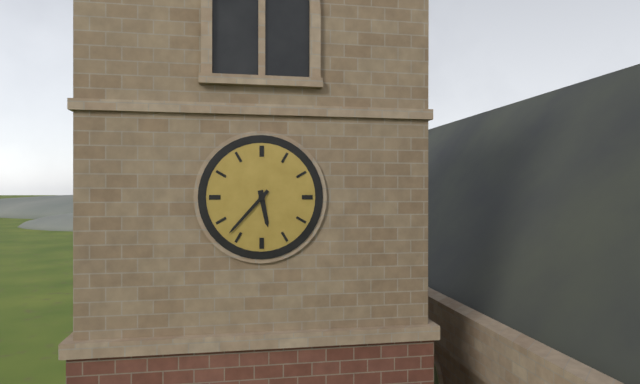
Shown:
5 h 37 min
